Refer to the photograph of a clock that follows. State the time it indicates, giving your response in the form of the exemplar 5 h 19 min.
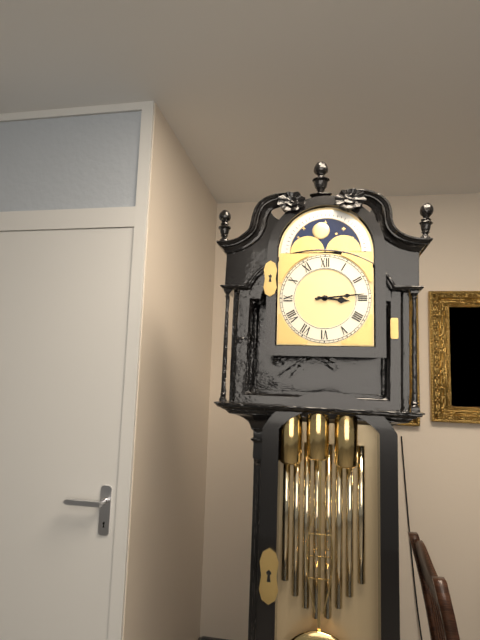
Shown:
3 h 14 min
